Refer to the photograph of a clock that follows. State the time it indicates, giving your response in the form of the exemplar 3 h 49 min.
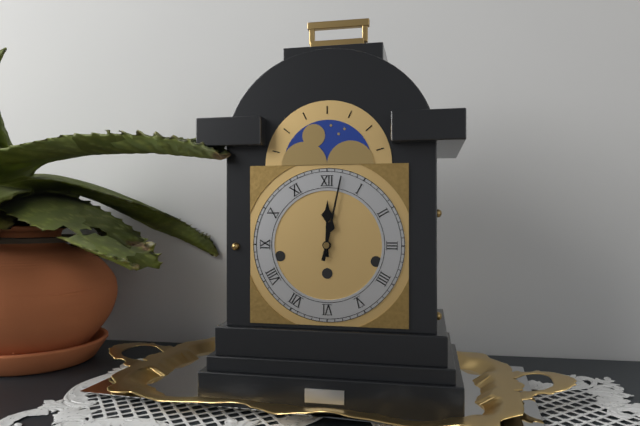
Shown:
12 h 02 min
